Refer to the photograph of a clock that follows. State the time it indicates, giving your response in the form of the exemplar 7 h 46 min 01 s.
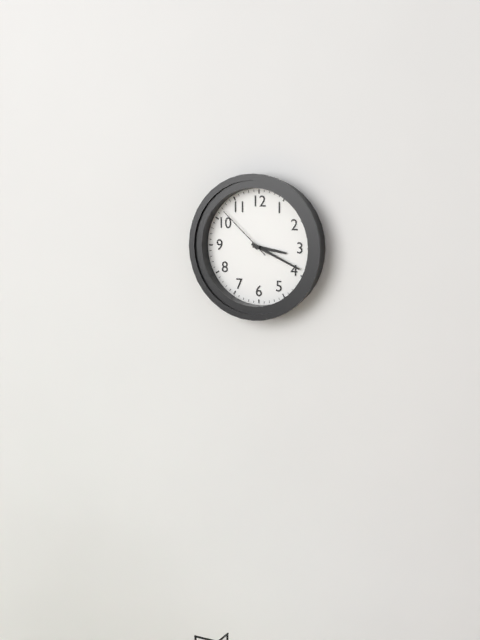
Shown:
3 h 19 min 52 s
